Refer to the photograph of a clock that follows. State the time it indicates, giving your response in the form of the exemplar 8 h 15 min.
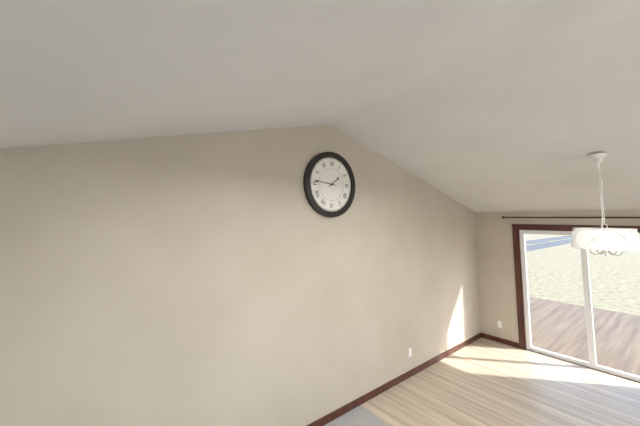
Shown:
1 h 46 min
